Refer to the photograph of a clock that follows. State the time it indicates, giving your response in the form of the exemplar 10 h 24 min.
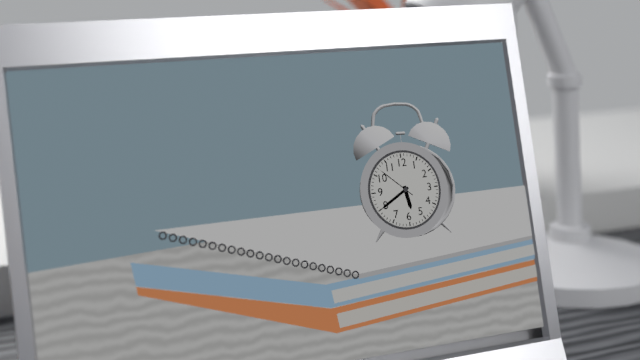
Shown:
5 h 40 min
